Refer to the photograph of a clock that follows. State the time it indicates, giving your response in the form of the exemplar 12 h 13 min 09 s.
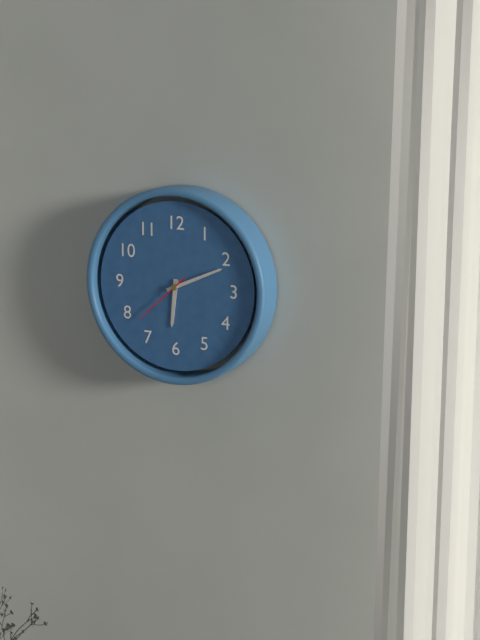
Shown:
6 h 11 min 38 s
